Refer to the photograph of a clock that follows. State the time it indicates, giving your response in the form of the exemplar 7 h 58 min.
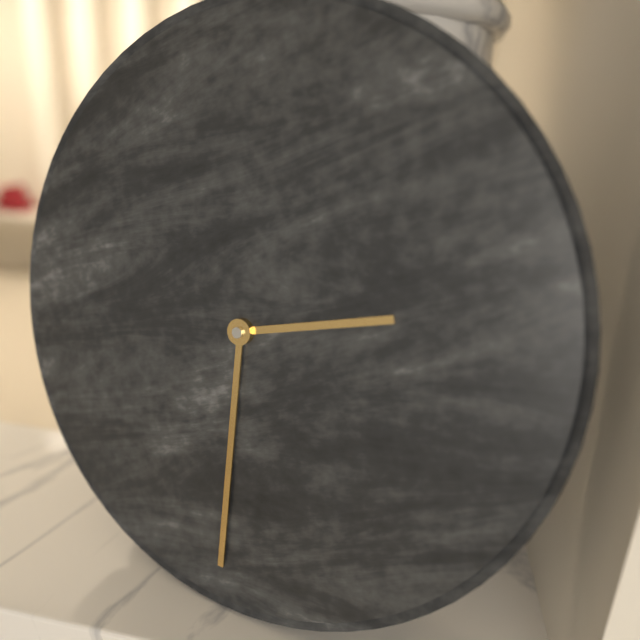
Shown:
2 h 30 min
